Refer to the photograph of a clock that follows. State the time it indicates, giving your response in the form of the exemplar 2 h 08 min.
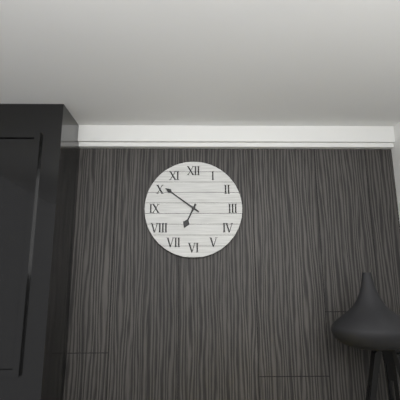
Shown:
6 h 51 min
